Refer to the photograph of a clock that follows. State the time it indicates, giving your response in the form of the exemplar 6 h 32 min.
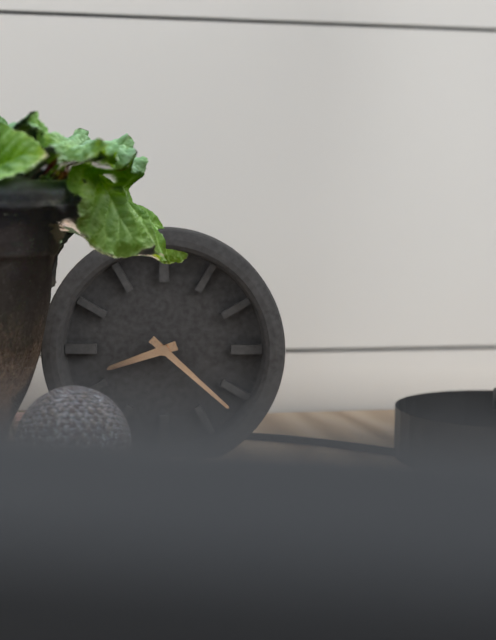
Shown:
8 h 22 min
